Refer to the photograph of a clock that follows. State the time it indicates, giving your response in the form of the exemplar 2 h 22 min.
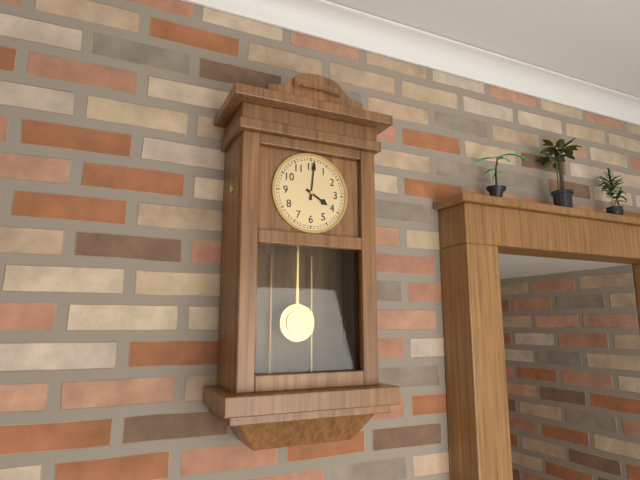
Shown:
4 h 01 min
